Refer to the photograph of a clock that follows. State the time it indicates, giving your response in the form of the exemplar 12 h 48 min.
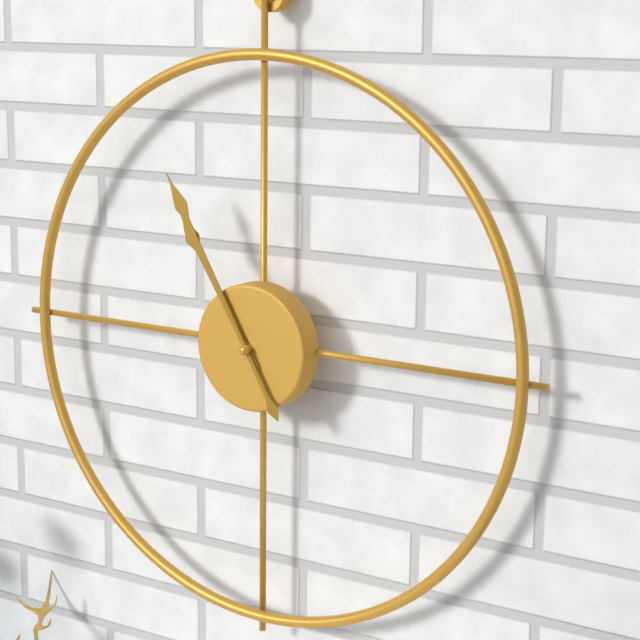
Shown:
10 h 55 min
